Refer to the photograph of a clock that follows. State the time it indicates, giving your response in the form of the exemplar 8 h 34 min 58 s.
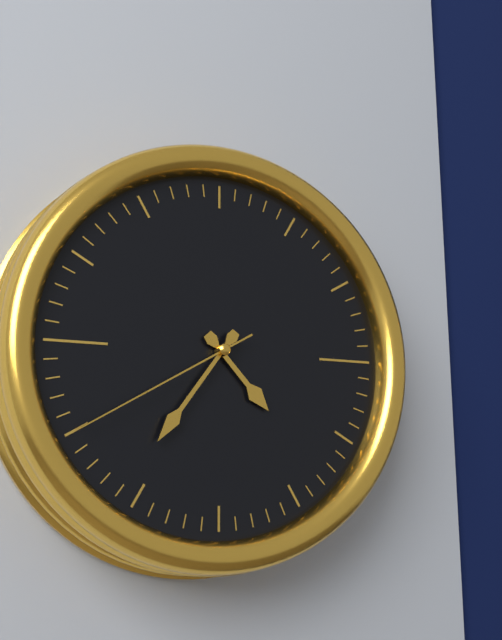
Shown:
4 h 36 min 40 s
